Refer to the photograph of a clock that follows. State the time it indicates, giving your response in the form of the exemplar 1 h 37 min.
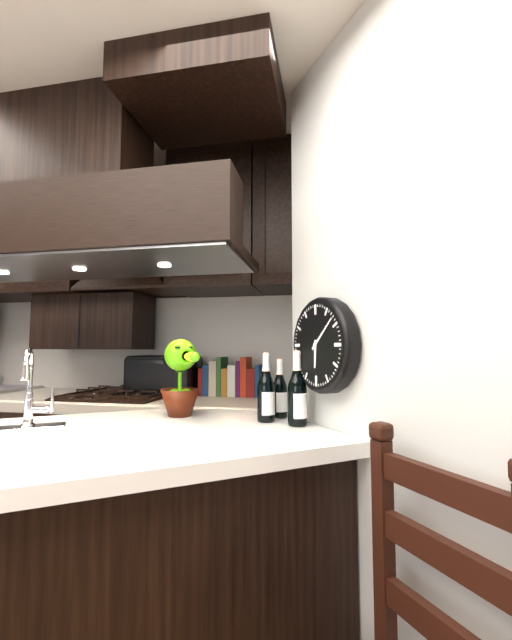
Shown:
6 h 08 min
